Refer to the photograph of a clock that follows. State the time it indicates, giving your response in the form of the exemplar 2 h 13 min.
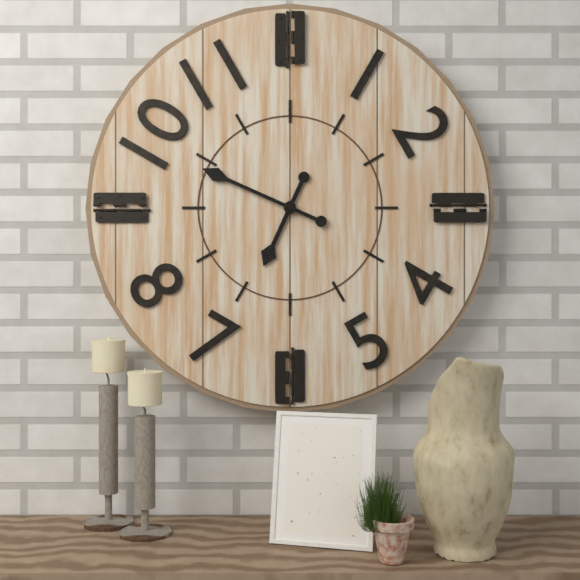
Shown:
6 h 49 min
